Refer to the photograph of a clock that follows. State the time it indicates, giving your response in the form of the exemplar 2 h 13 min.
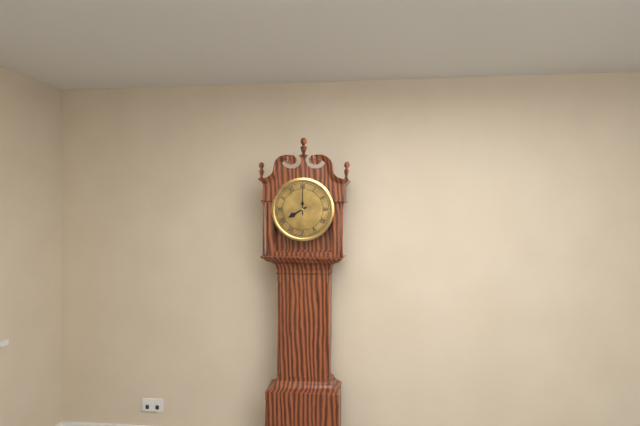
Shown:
8 h 00 min
